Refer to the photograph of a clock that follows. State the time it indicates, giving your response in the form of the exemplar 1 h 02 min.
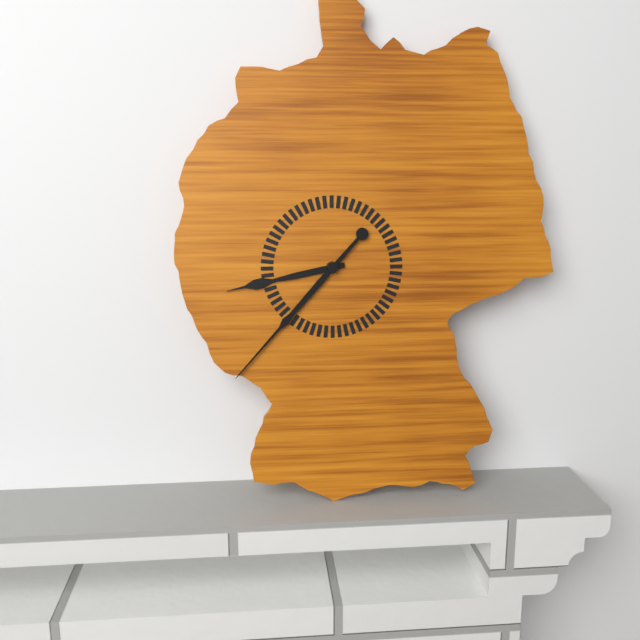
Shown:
8 h 37 min
